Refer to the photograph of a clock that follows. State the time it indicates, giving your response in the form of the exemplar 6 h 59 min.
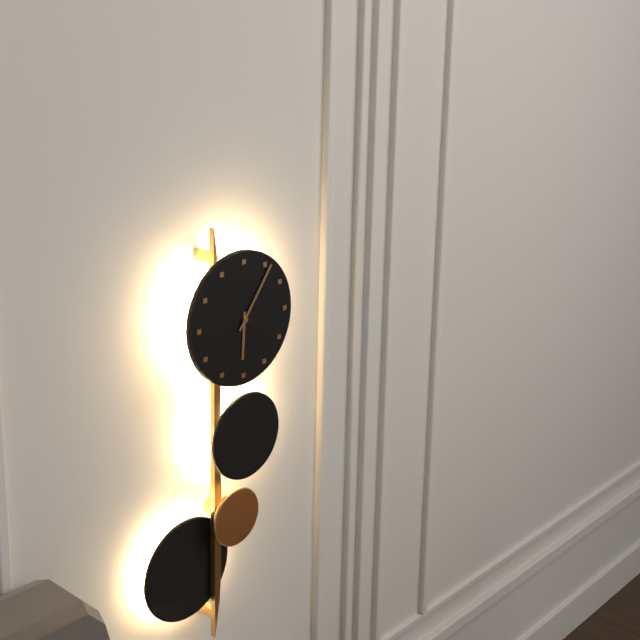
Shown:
6 h 06 min
